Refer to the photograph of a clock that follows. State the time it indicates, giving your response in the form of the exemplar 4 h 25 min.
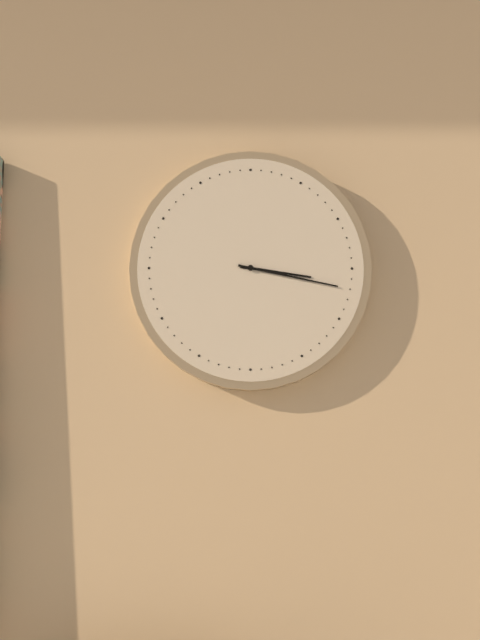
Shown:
3 h 17 min
